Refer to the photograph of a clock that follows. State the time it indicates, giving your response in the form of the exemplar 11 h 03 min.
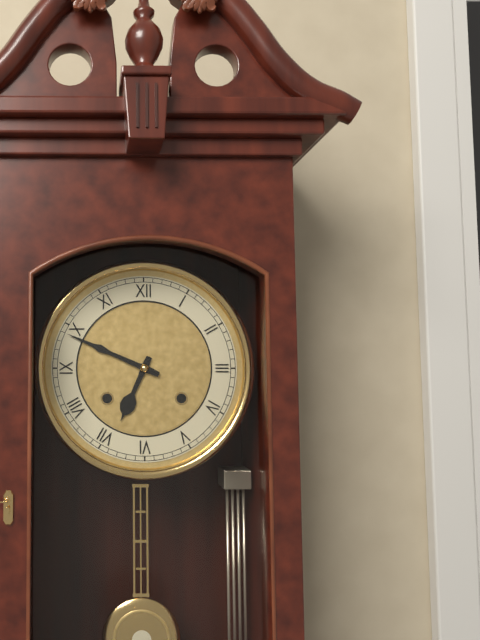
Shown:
6 h 49 min
